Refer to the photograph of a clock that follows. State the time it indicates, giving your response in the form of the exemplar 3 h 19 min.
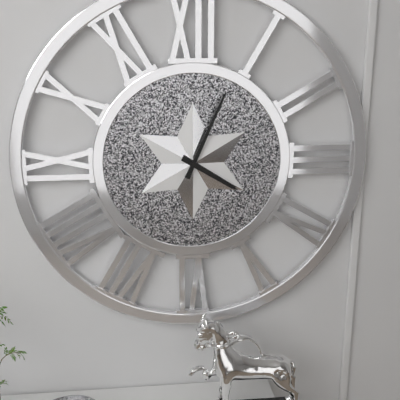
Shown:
4 h 04 min
